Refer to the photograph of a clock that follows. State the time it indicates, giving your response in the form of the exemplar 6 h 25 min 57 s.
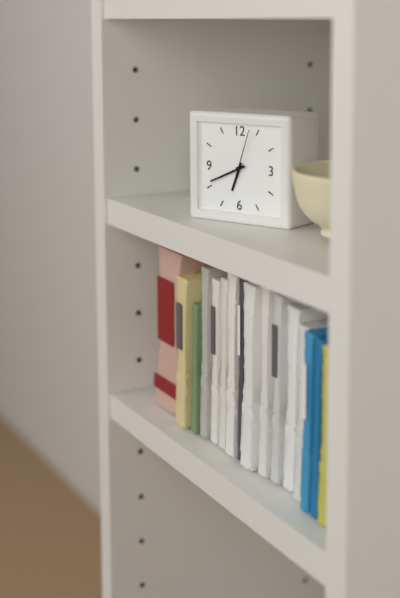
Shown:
6 h 41 min 03 s
